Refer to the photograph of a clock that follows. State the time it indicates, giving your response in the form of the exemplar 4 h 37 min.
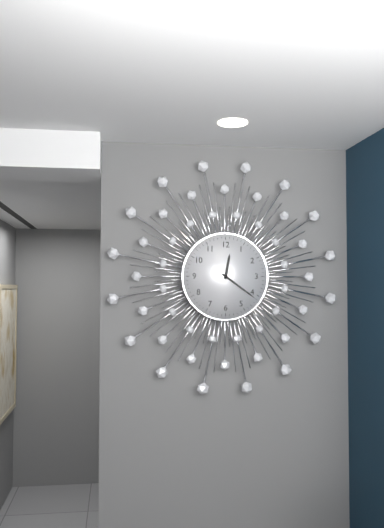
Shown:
12 h 21 min
